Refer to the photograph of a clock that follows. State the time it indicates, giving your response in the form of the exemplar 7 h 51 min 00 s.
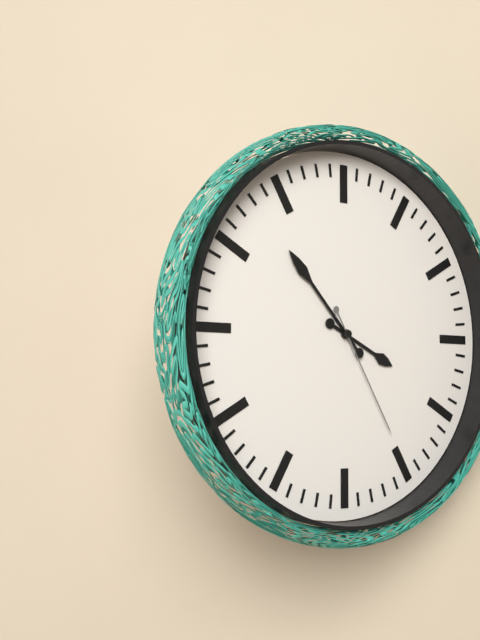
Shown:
3 h 53 min 25 s
